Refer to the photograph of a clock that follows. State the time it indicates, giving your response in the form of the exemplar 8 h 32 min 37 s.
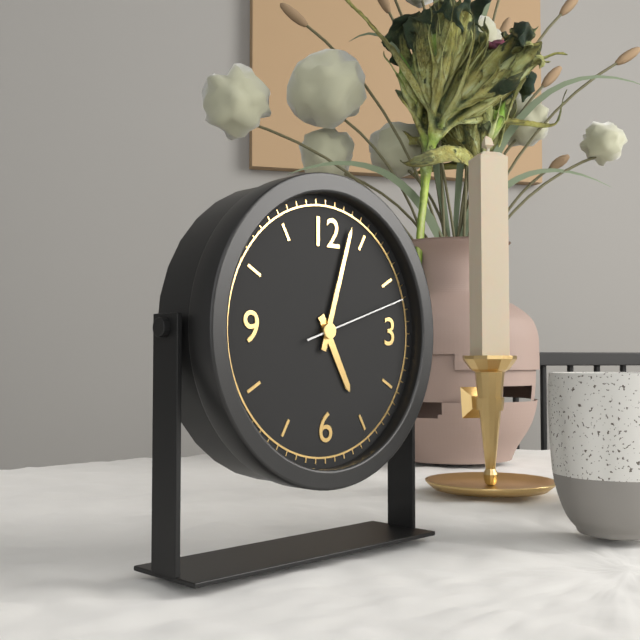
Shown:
5 h 03 min 12 s
